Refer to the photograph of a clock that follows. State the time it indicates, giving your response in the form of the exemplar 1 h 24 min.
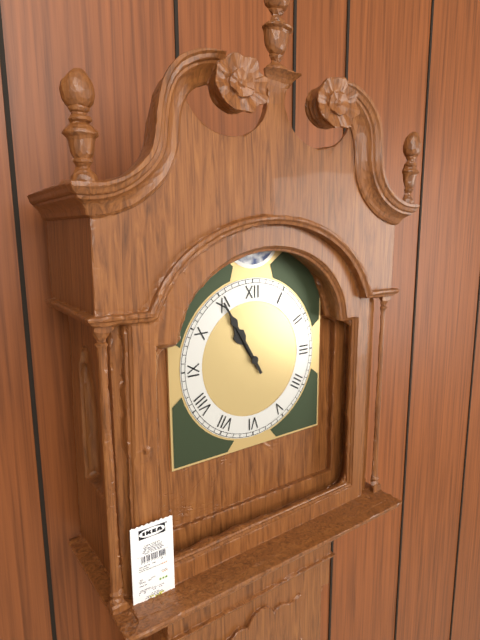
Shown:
10 h 55 min
